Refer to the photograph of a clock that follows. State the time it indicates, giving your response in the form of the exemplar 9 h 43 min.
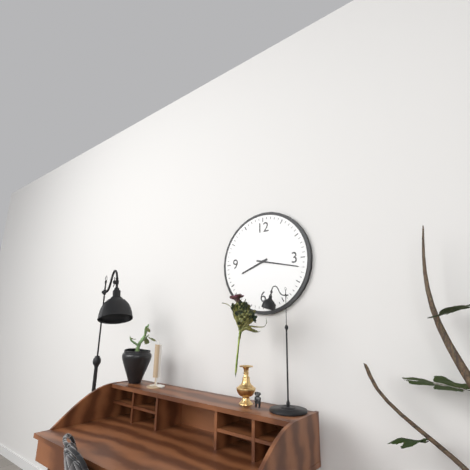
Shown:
8 h 17 min
